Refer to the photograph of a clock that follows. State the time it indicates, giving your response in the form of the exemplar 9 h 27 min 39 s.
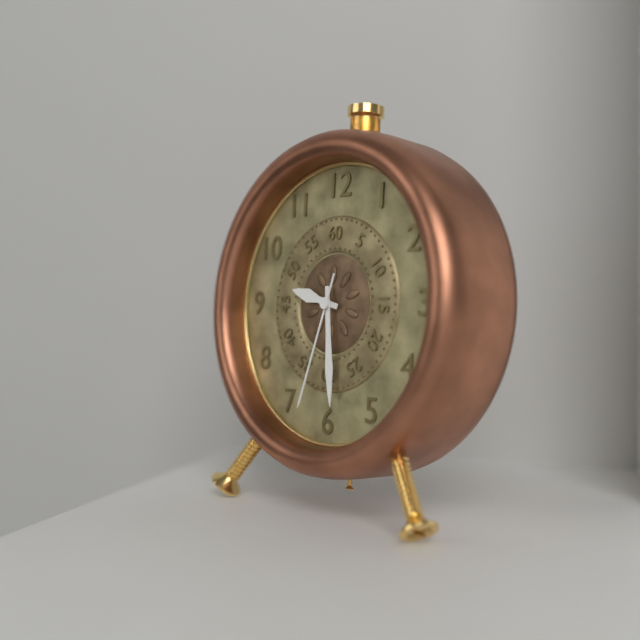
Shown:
9 h 29 min 33 s
